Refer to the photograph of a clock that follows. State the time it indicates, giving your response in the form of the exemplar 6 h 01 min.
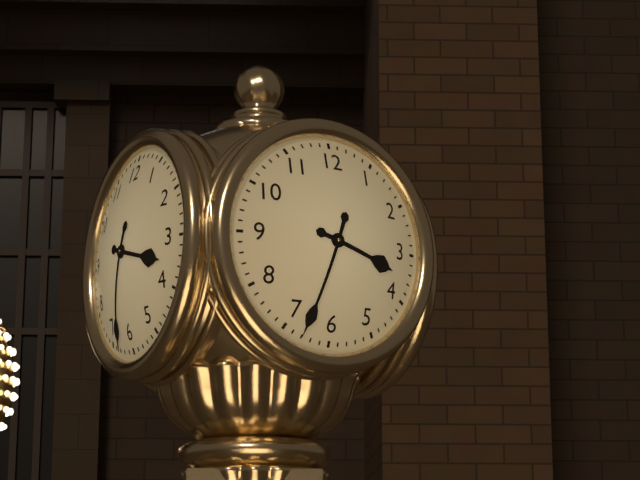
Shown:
3 h 33 min
